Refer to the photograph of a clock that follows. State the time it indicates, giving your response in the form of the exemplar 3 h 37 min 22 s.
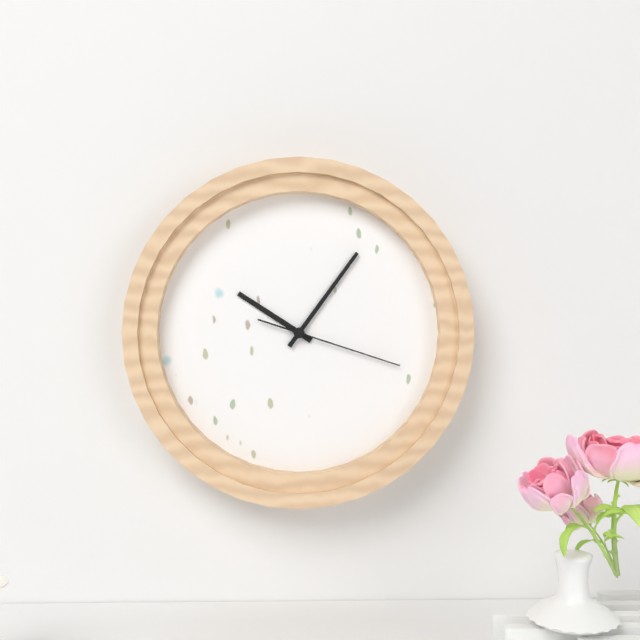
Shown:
10 h 06 min 18 s
